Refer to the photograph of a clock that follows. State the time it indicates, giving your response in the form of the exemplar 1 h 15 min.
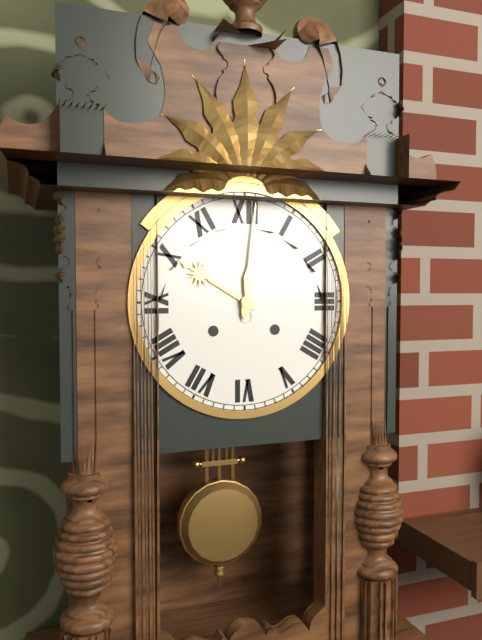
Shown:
10 h 01 min
